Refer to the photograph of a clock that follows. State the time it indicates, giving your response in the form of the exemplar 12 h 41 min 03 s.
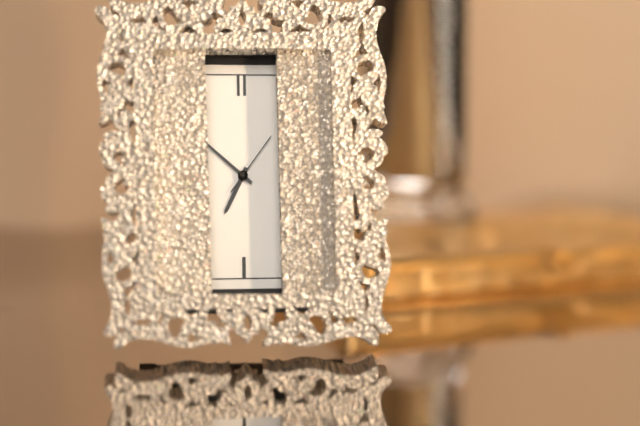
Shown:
6 h 52 min 06 s
